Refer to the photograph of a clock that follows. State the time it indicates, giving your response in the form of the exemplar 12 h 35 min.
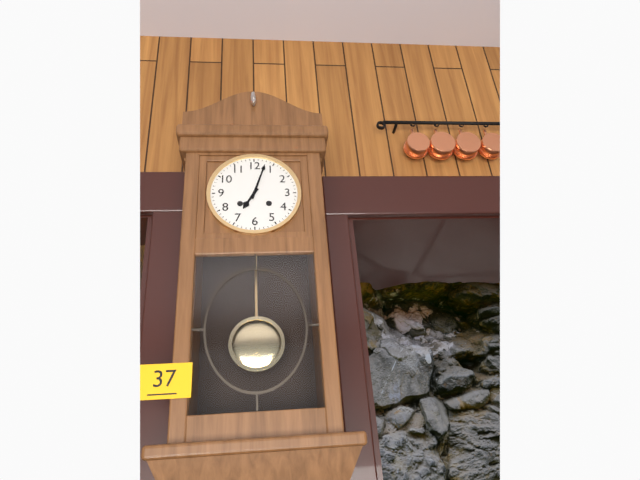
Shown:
7 h 03 min
